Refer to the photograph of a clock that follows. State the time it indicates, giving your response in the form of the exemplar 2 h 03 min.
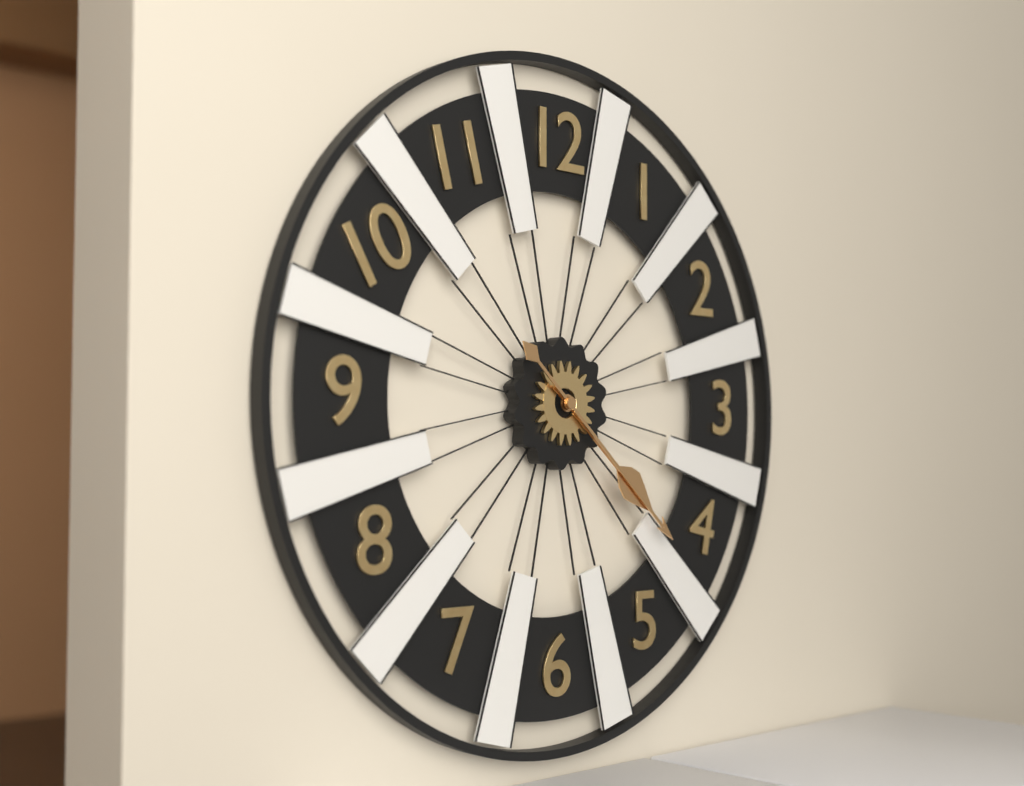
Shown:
4 h 22 min
